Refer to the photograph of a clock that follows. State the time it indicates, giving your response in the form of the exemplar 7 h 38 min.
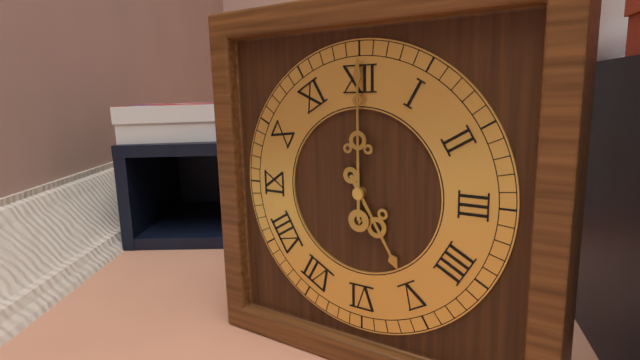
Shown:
5 h 00 min
